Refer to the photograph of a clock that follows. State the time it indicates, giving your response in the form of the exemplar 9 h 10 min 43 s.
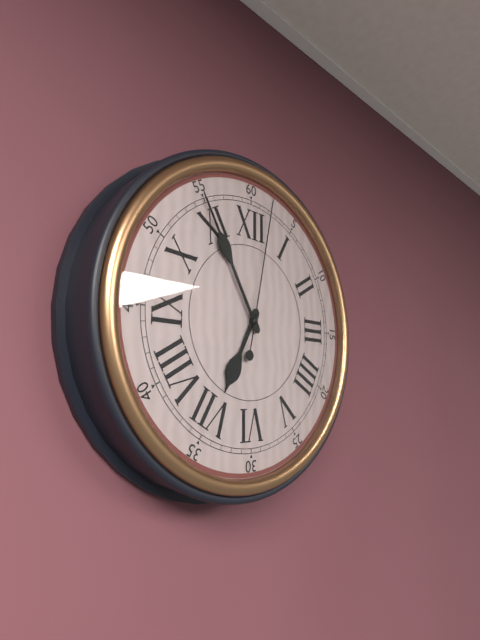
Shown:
6 h 55 min 02 s
